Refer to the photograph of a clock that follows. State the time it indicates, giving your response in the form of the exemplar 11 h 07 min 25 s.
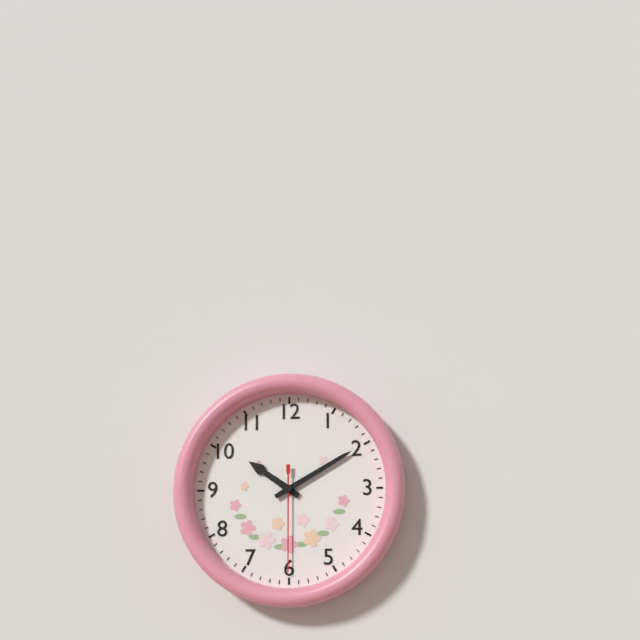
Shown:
10 h 10 min 30 s
